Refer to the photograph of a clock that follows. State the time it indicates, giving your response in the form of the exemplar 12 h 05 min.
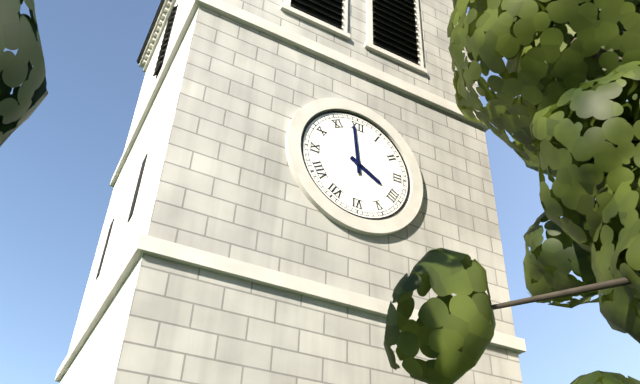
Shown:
3 h 59 min
